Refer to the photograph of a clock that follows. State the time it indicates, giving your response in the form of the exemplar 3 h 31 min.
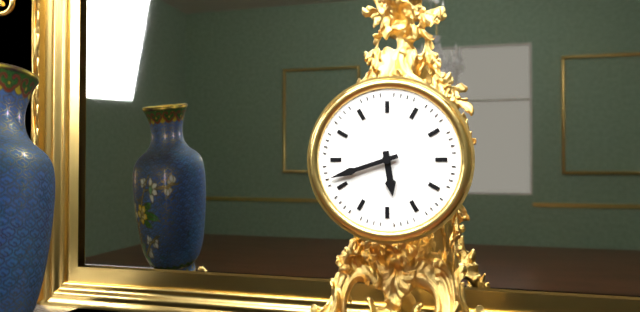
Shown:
5 h 42 min
